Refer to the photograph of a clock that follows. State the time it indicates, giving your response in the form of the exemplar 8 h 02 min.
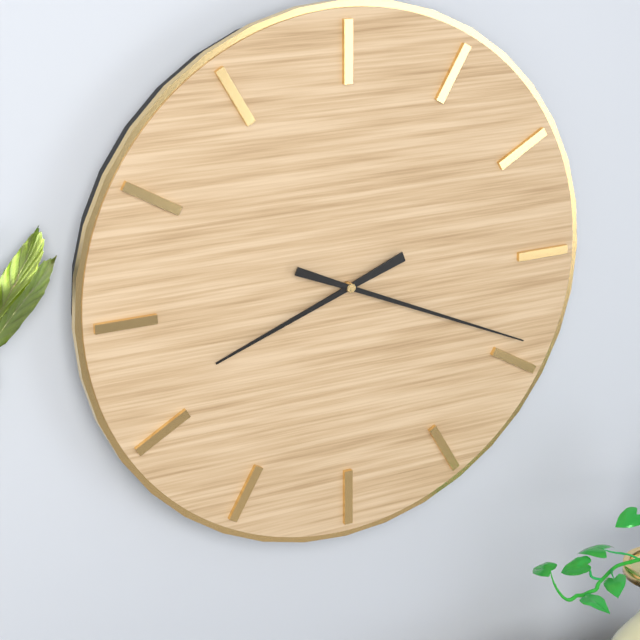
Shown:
8 h 19 min
